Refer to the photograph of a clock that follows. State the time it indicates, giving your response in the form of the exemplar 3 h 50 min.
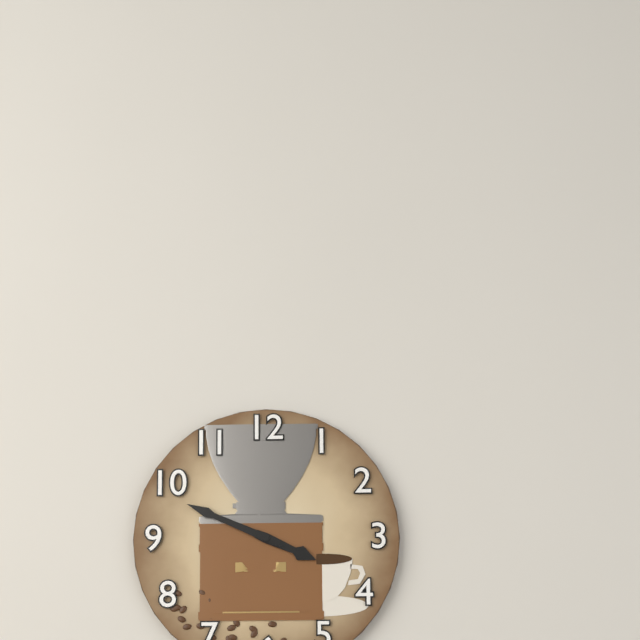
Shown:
3 h 49 min
